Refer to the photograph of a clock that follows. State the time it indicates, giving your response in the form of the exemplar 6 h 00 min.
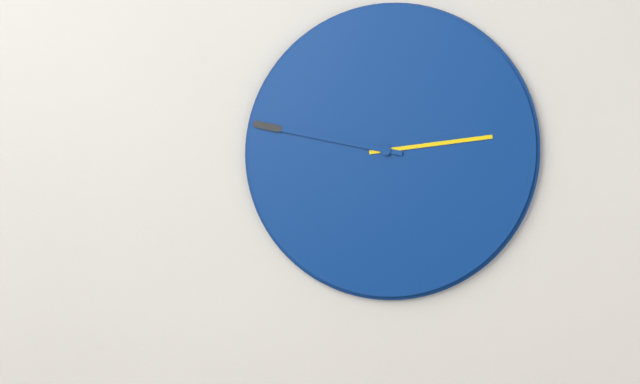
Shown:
2 h 47 min
